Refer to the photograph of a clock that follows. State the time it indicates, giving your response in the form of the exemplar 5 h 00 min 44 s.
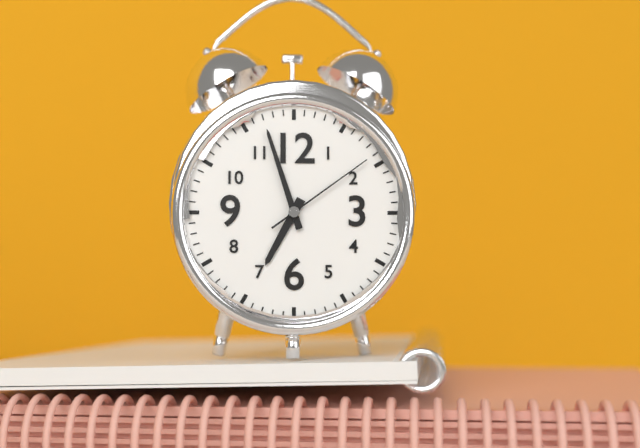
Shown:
6 h 57 min 09 s
